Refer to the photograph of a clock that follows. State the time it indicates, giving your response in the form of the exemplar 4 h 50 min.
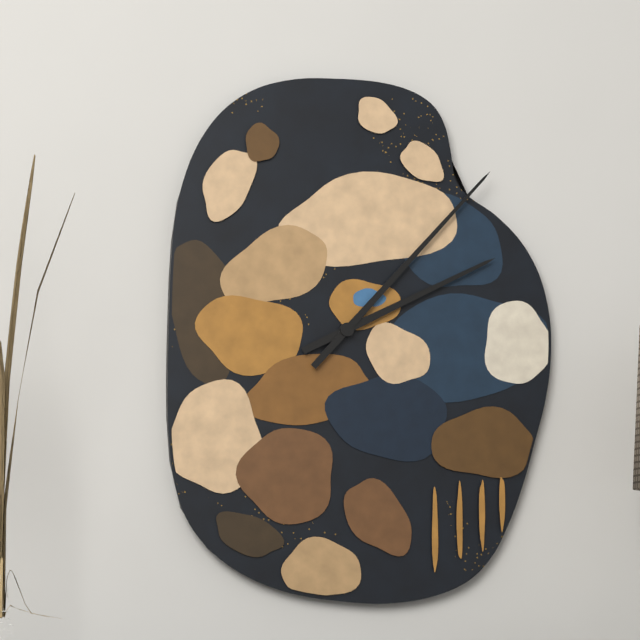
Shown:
2 h 07 min
